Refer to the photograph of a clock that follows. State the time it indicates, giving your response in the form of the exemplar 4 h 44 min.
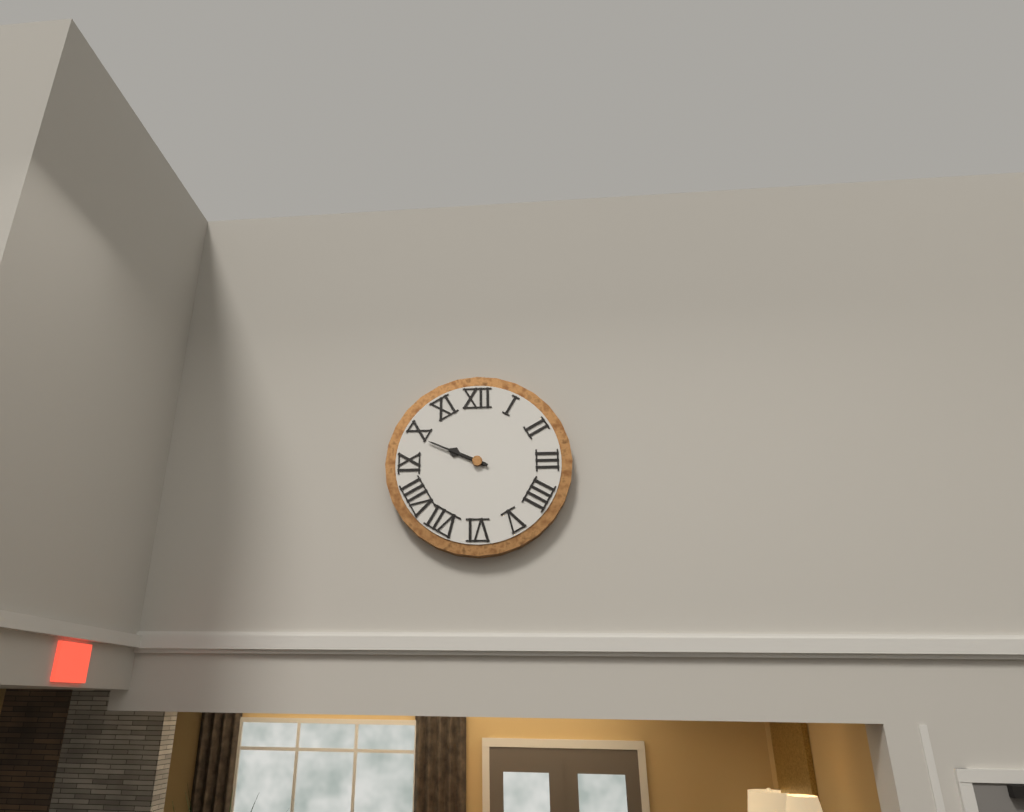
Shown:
9 h 49 min
